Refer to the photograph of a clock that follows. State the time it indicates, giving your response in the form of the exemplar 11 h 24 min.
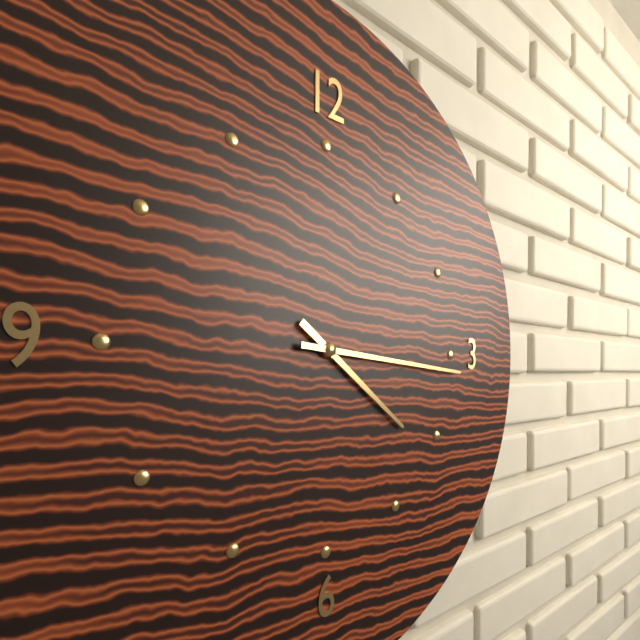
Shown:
4 h 16 min
